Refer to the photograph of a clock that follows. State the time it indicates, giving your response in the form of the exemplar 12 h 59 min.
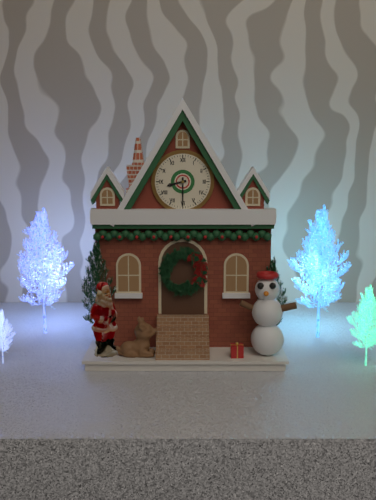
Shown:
8 h 30 min
